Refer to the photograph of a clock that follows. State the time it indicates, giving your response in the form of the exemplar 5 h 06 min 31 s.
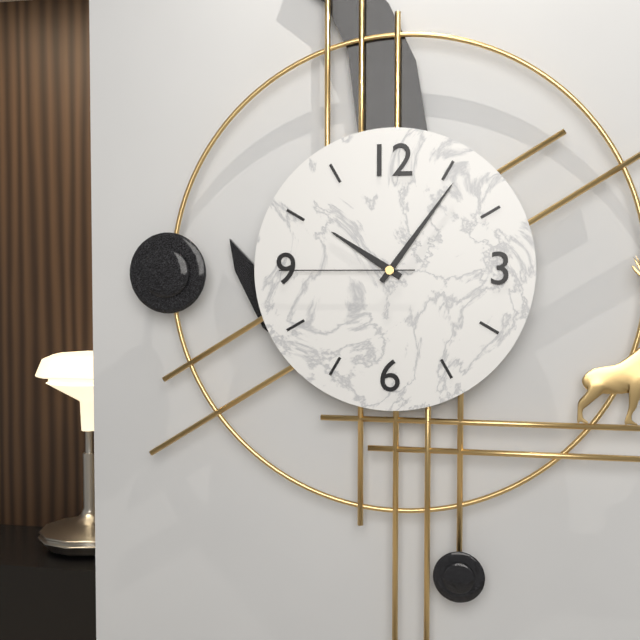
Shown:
10 h 06 min 45 s
